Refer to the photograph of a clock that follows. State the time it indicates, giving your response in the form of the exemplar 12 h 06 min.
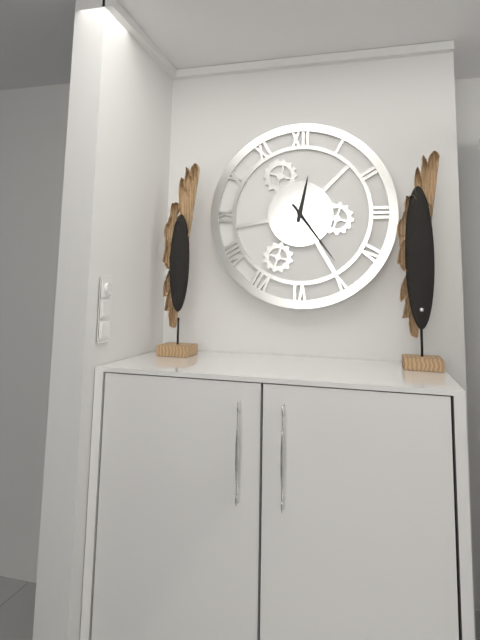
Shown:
12 h 24 min
